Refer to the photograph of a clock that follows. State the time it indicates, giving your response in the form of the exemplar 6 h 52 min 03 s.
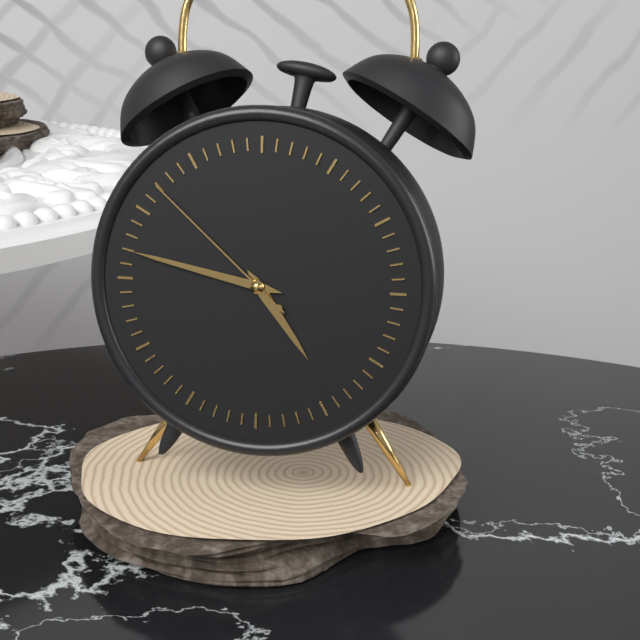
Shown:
4 h 47 min 52 s
